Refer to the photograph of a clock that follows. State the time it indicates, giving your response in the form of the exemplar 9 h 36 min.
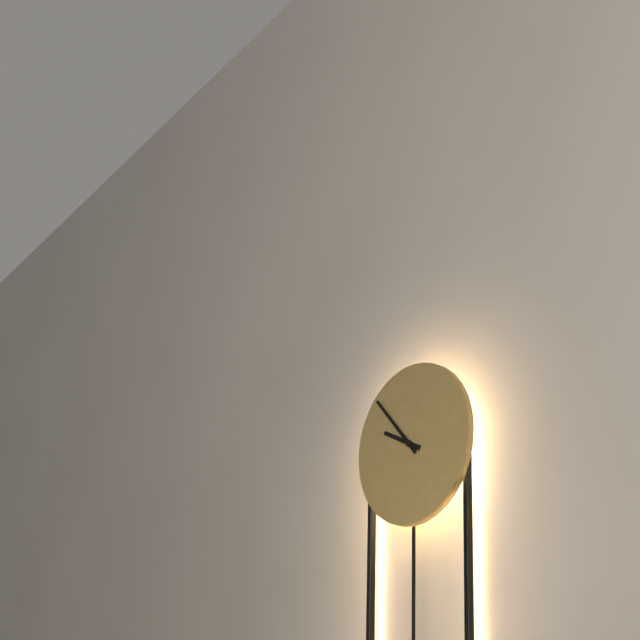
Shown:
9 h 53 min
